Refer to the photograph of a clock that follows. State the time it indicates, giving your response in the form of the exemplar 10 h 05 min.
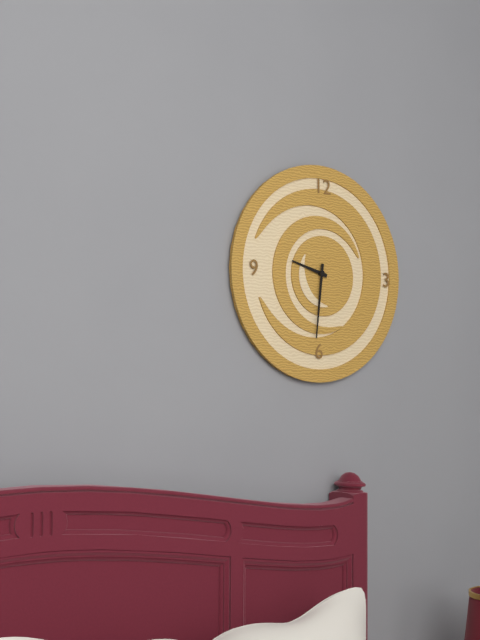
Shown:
9 h 31 min
